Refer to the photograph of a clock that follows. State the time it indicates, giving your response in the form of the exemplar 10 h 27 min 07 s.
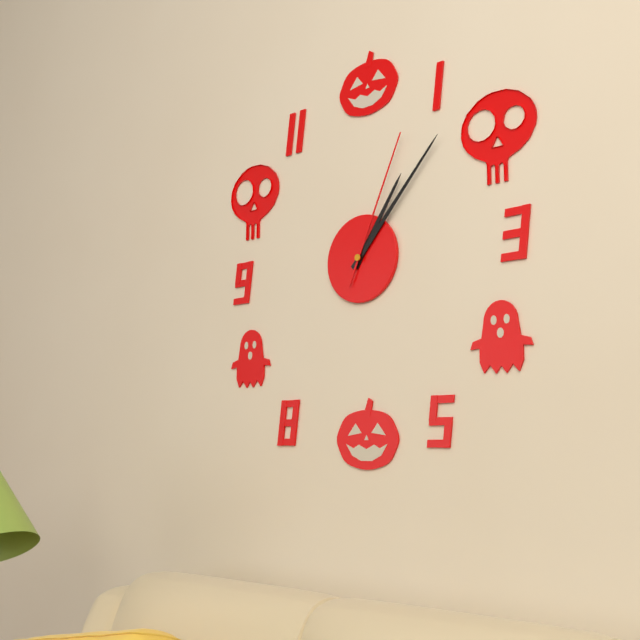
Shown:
1 h 07 min 04 s
